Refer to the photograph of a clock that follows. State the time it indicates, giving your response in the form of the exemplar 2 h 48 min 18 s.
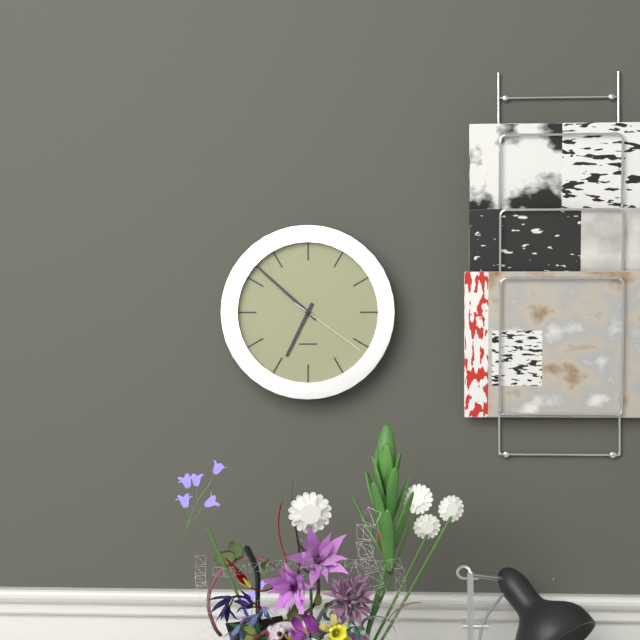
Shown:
6 h 52 min 21 s
